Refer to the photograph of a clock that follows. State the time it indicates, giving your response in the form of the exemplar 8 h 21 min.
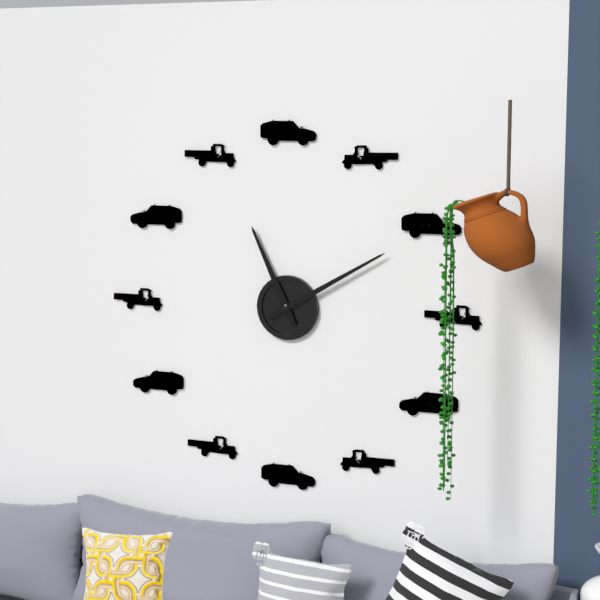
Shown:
11 h 10 min
